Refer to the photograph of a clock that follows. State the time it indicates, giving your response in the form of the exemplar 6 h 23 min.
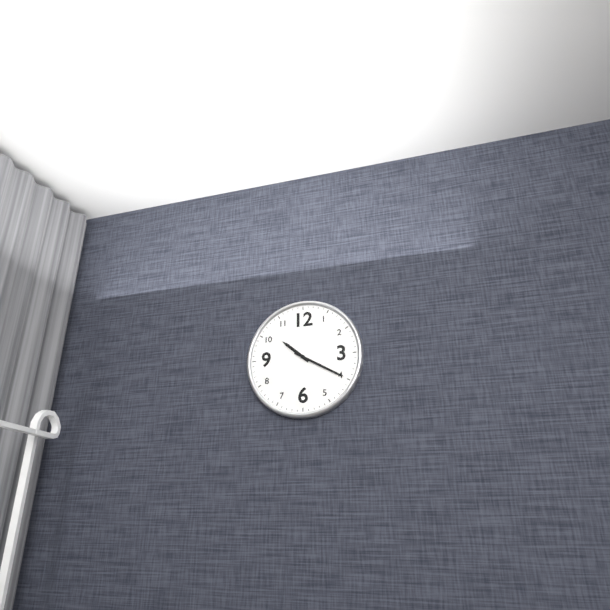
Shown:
10 h 20 min
